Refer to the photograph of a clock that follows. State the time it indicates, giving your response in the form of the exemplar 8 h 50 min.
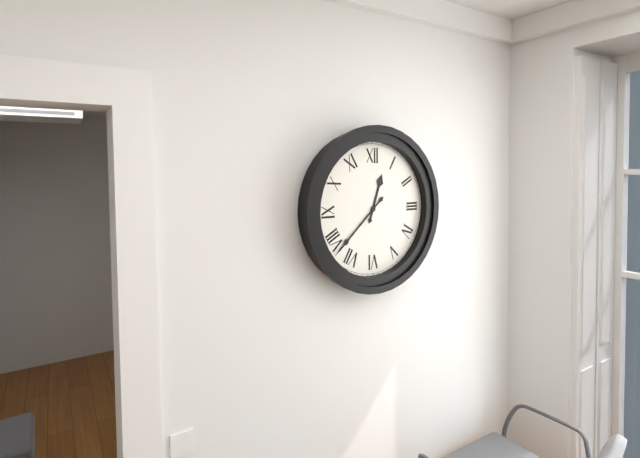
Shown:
12 h 38 min
